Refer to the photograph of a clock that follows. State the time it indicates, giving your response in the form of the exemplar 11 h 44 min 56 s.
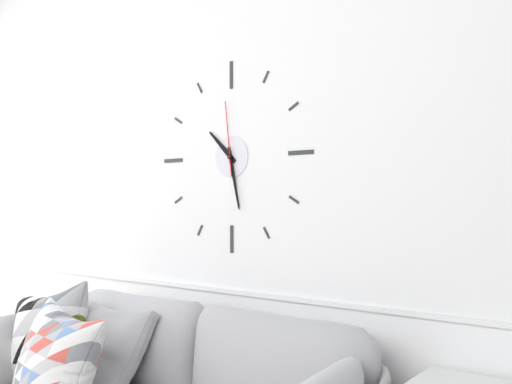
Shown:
10 h 28 min 59 s
